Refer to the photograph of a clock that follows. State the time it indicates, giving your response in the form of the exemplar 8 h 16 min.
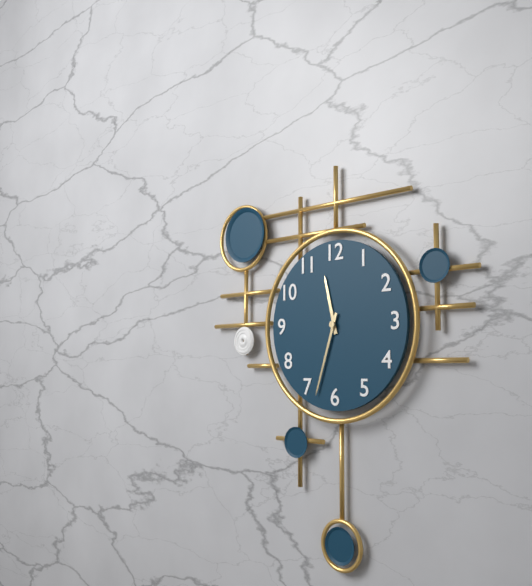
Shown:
11 h 33 min
